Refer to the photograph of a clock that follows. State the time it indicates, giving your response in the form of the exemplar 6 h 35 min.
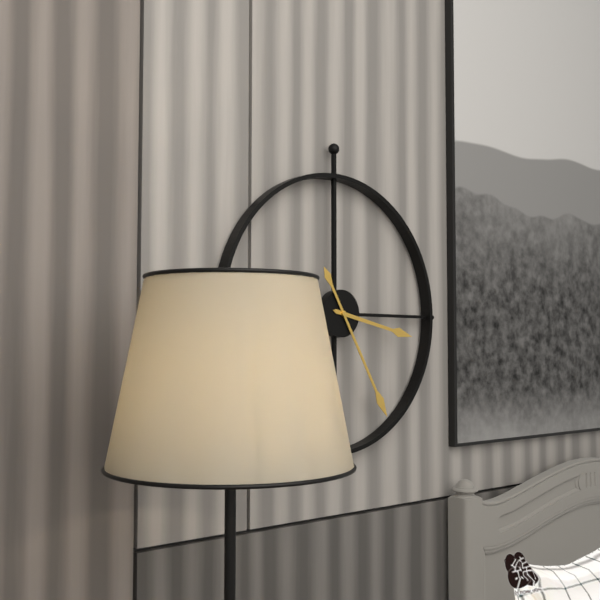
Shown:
3 h 25 min
